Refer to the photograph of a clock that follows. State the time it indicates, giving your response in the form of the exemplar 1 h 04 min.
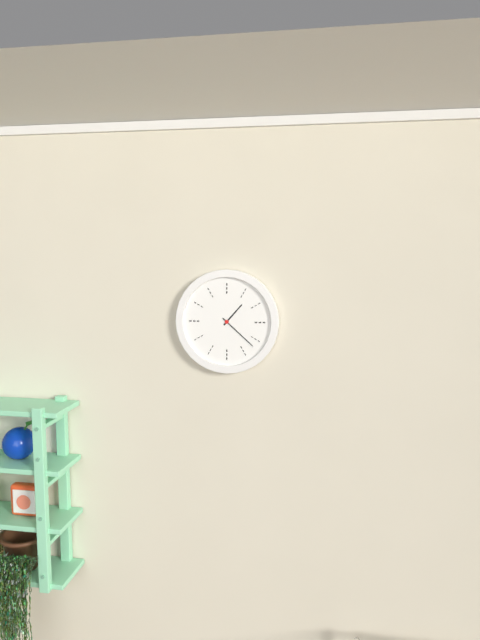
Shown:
1 h 22 min
